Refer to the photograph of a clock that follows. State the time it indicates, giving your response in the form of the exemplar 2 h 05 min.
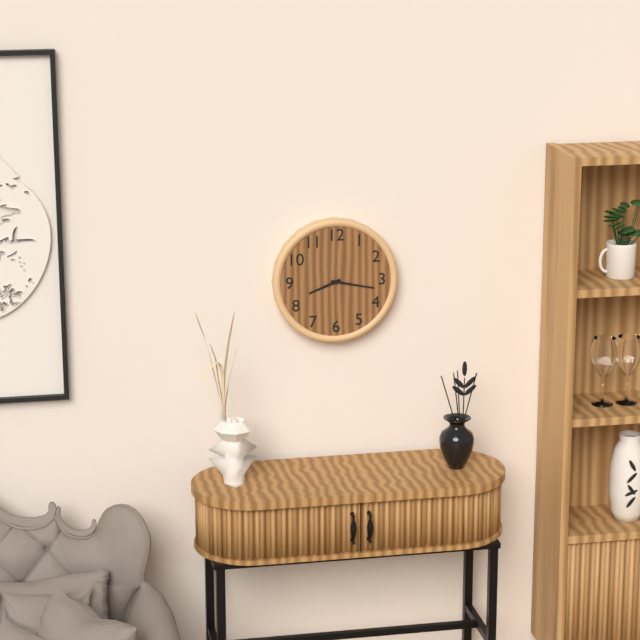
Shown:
8 h 17 min
